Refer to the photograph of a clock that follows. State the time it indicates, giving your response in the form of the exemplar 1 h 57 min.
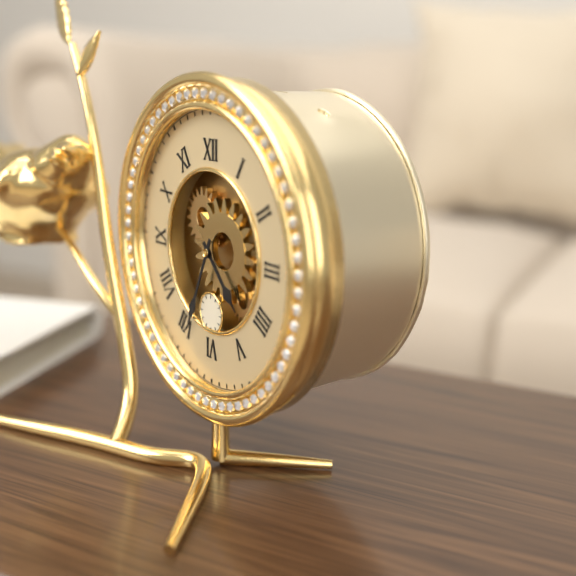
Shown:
4 h 34 min
